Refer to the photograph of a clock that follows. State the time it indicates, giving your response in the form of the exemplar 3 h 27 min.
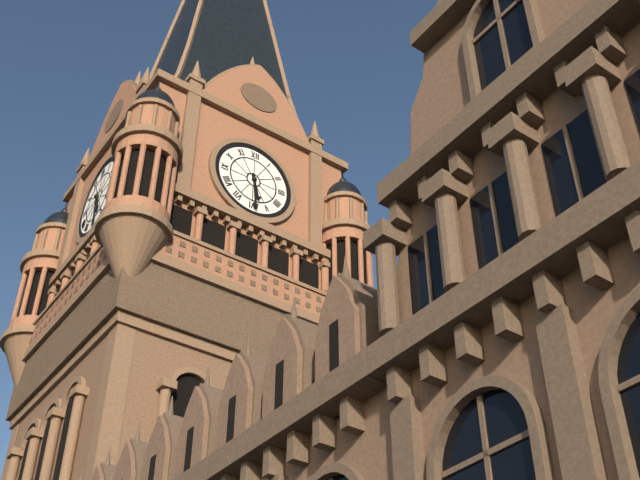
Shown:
5 h 29 min
